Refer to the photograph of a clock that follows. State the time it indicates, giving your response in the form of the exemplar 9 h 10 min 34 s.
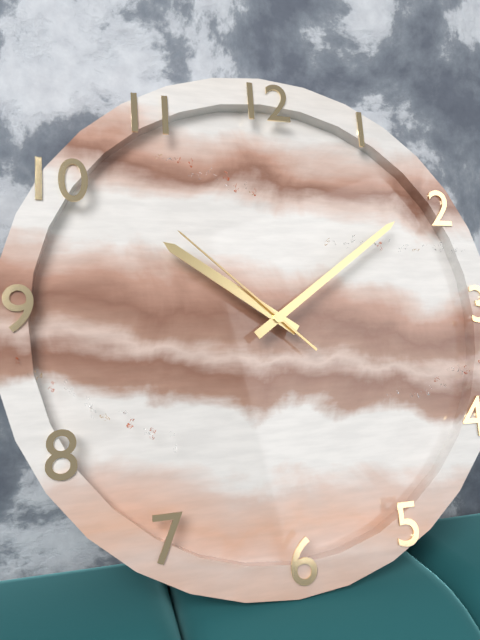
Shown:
10 h 09 min 52 s
